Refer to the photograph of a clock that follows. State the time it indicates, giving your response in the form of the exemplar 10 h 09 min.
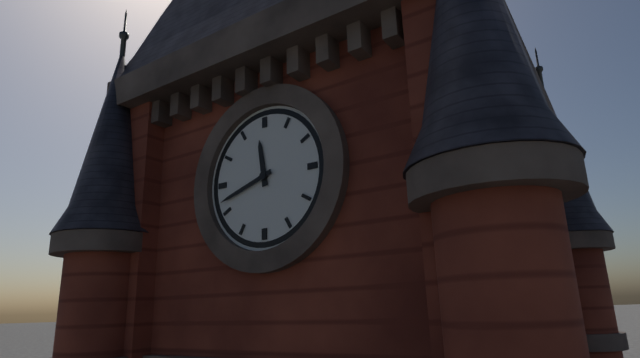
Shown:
11 h 42 min
